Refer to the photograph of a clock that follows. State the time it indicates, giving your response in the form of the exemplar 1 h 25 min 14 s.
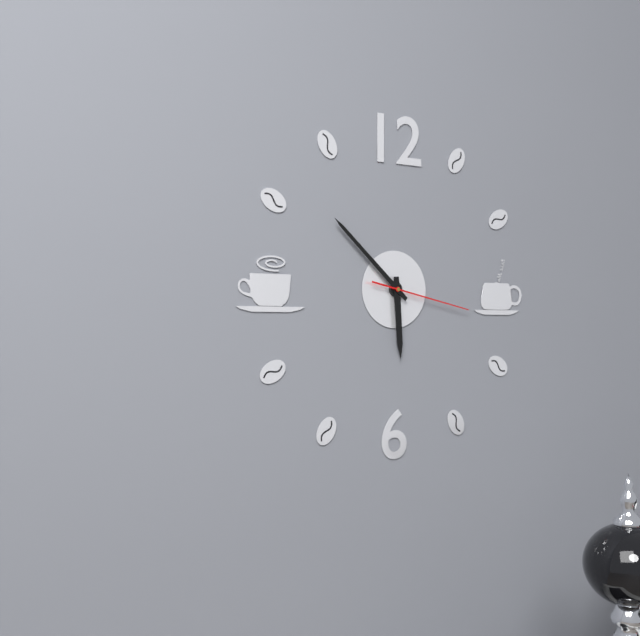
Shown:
5 h 52 min 17 s
